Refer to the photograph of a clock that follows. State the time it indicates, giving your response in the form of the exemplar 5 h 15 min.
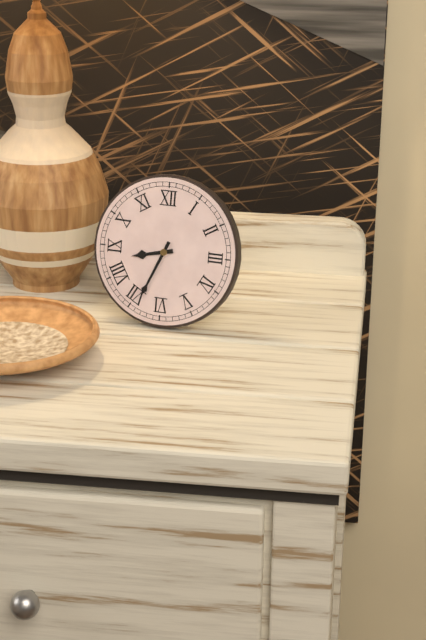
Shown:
8 h 34 min
